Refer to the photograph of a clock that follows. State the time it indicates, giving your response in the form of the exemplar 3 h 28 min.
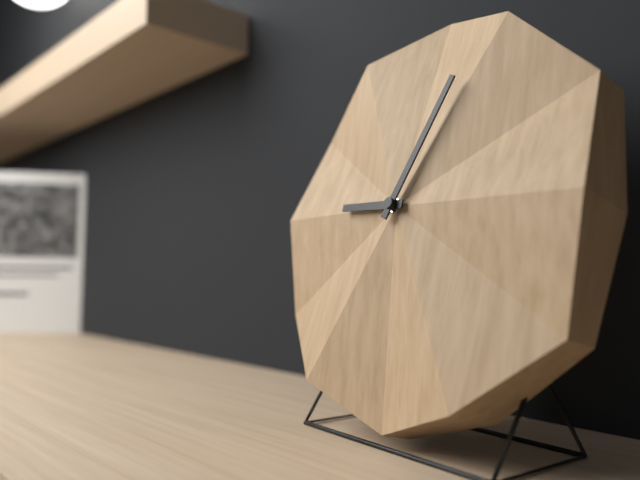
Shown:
9 h 04 min
